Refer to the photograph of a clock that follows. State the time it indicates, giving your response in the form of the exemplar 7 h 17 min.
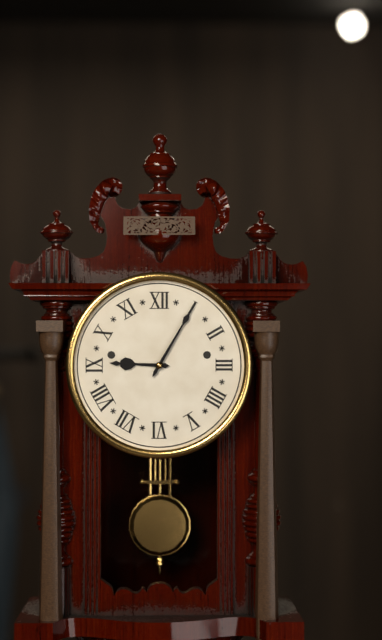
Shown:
9 h 05 min
